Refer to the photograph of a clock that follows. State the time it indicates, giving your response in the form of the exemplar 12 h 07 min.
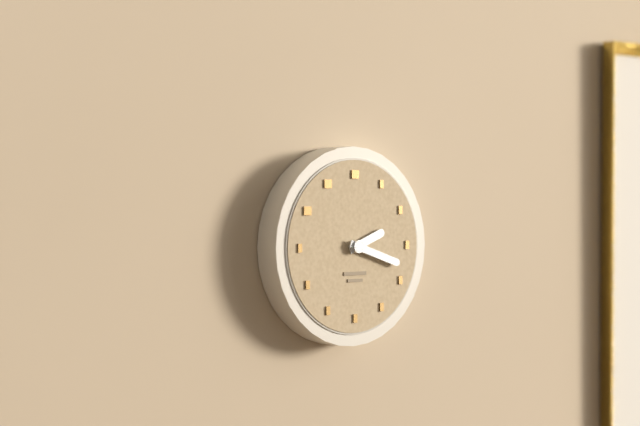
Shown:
2 h 18 min
